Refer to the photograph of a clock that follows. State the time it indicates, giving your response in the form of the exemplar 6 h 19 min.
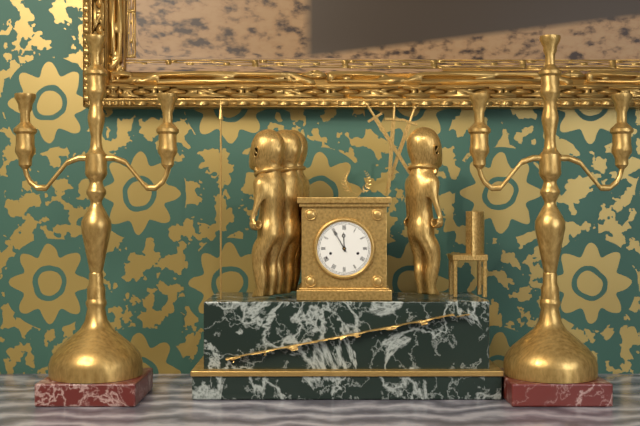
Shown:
11 h 55 min
